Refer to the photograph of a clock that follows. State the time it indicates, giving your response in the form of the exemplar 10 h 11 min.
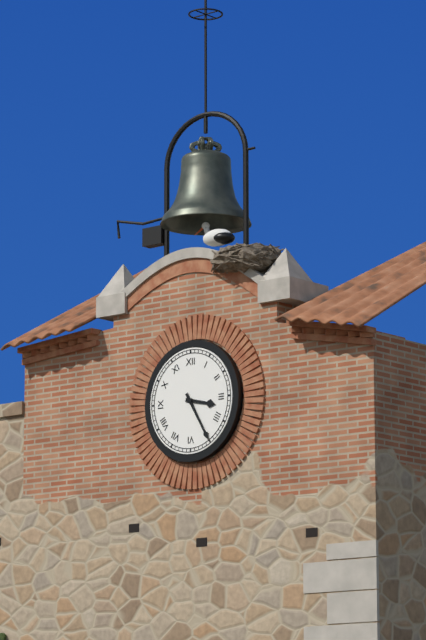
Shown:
3 h 25 min
